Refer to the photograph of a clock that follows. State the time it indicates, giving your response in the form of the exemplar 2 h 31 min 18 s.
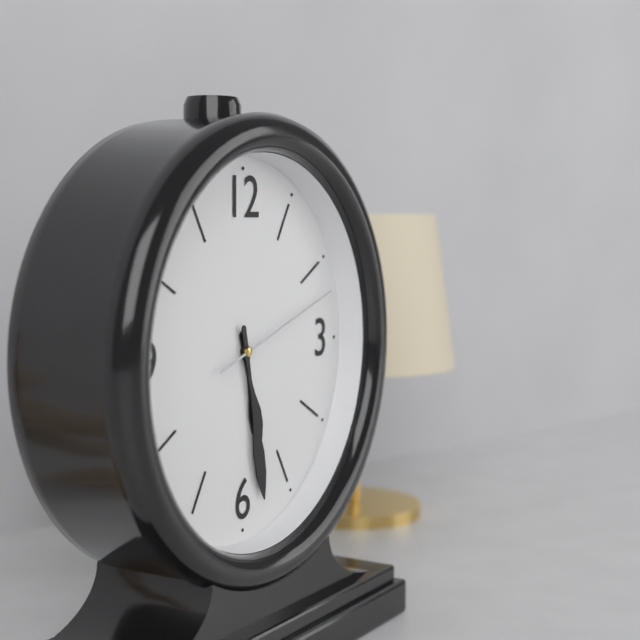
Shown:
5 h 28 min 12 s
